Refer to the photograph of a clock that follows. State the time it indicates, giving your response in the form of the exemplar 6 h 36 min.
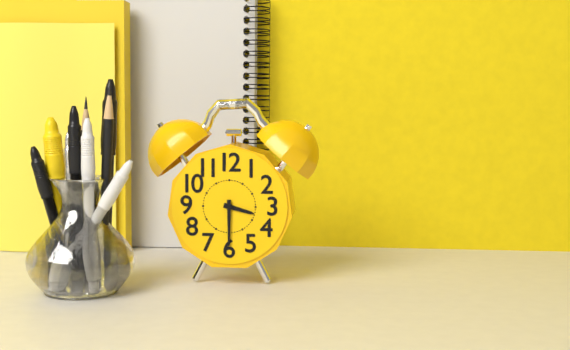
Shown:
3 h 30 min
